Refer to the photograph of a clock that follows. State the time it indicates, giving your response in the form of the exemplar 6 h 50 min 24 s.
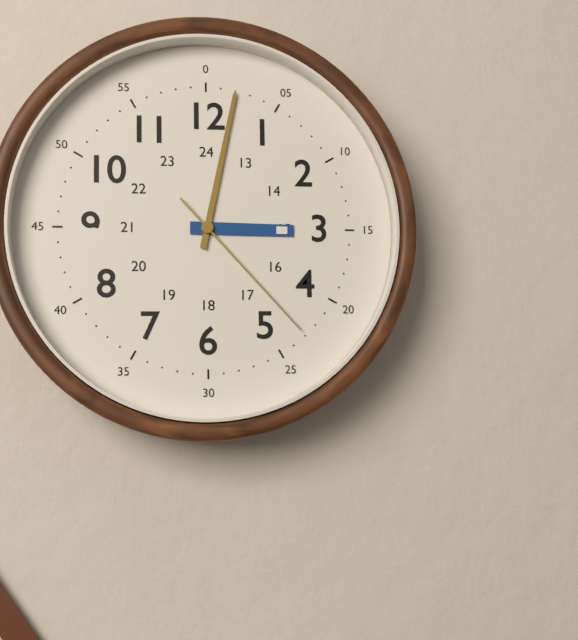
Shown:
3 h 02 min 23 s
